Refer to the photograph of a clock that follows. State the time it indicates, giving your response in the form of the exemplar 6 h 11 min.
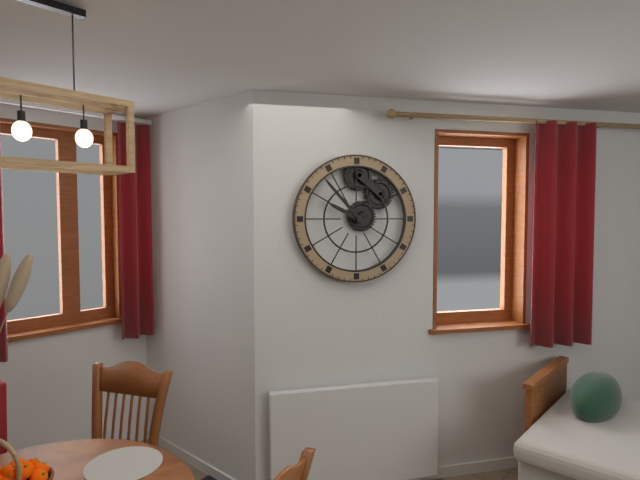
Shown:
9 h 53 min
